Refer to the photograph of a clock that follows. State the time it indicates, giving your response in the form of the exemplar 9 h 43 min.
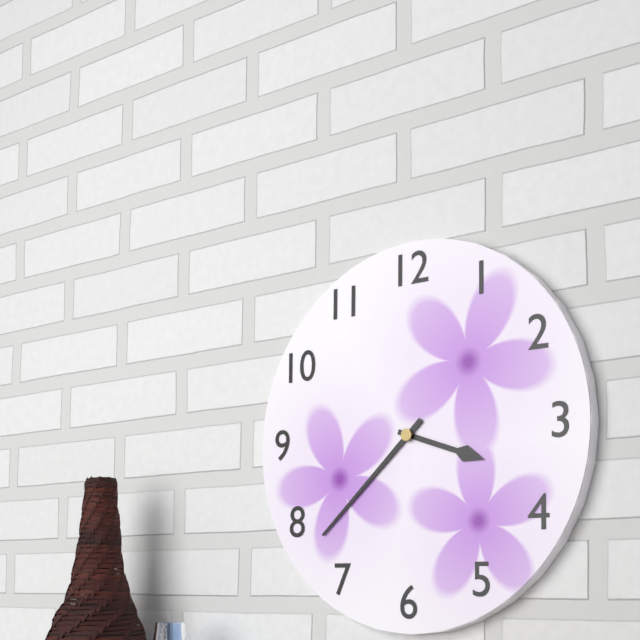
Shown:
3 h 38 min
